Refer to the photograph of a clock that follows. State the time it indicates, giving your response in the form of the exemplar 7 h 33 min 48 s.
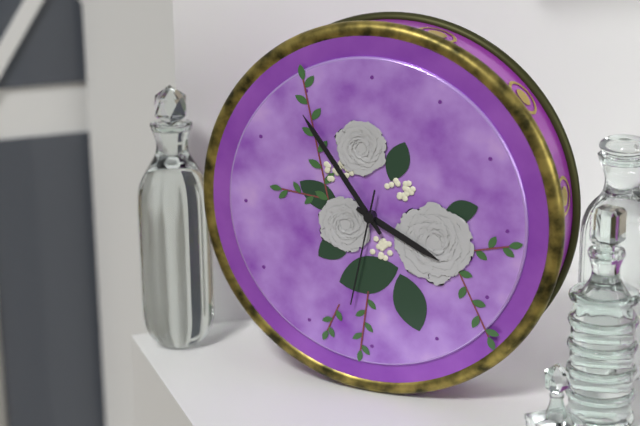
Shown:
3 h 54 min 32 s
